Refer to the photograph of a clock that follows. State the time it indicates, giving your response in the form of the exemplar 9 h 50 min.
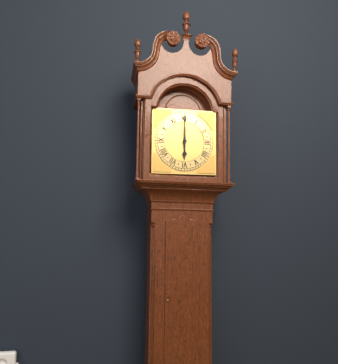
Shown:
6 h 00 min
